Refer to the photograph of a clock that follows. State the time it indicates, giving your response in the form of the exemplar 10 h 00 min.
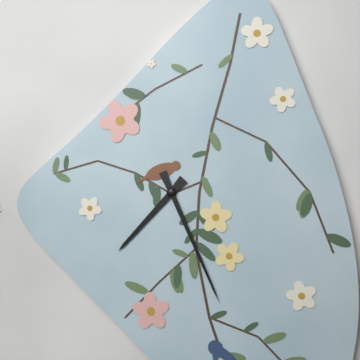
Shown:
7 h 26 min
